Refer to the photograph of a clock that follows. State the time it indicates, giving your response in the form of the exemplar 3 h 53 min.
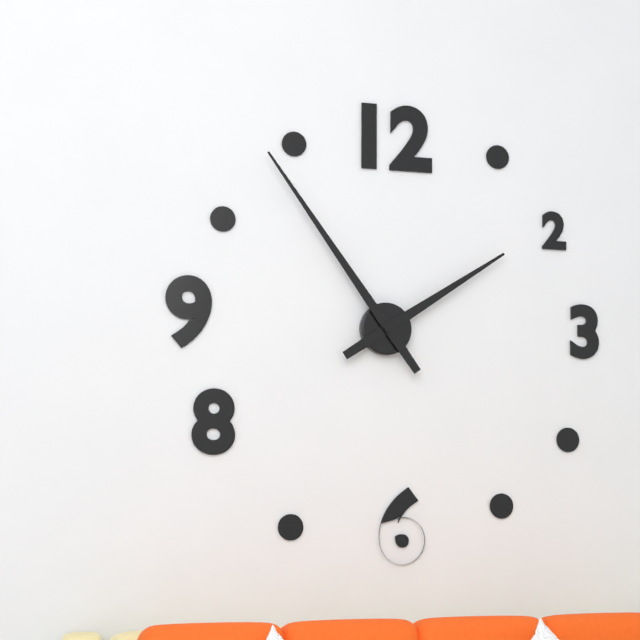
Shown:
1 h 54 min
